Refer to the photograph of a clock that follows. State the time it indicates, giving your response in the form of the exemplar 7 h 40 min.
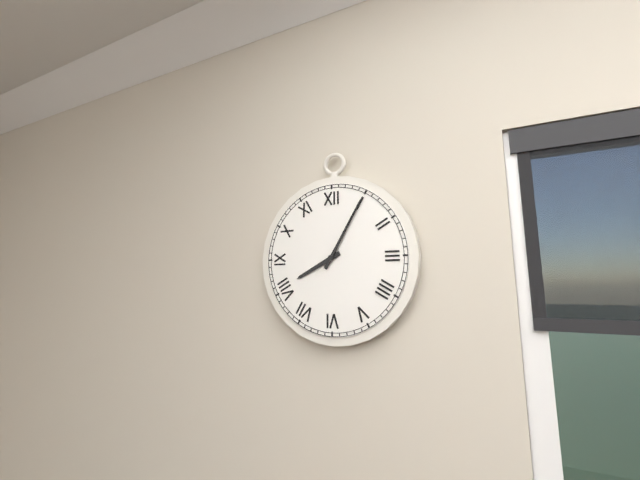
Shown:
8 h 05 min
